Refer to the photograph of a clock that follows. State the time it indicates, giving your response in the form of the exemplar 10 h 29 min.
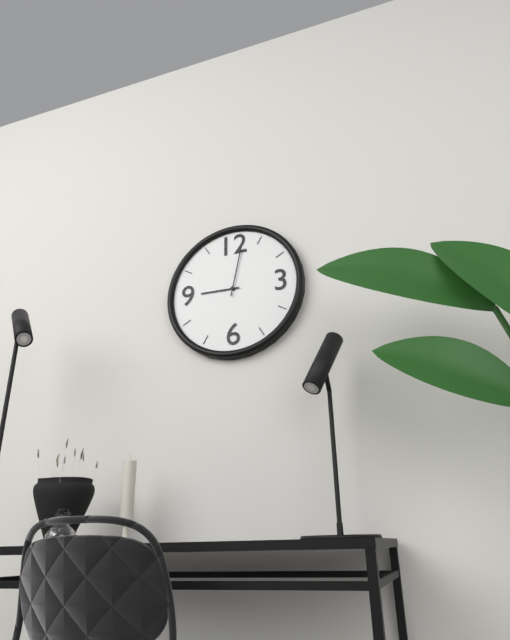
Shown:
9 h 02 min
